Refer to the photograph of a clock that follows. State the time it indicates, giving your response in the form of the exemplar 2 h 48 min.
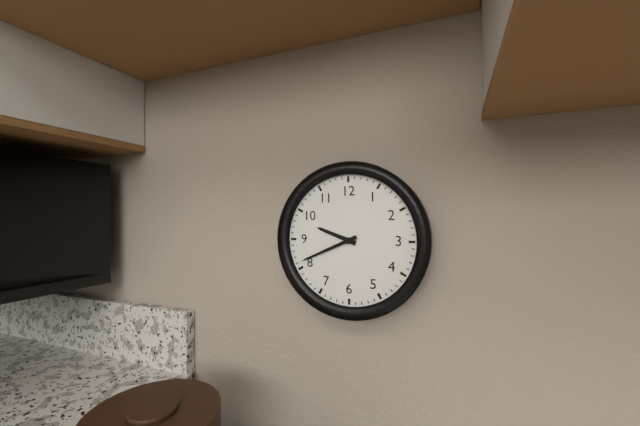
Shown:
9 h 41 min
